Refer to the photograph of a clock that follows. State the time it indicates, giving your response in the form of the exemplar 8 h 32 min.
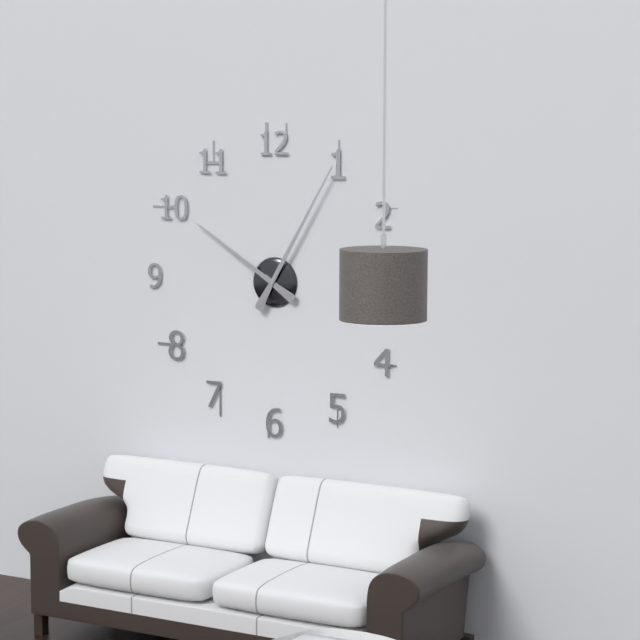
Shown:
10 h 05 min
